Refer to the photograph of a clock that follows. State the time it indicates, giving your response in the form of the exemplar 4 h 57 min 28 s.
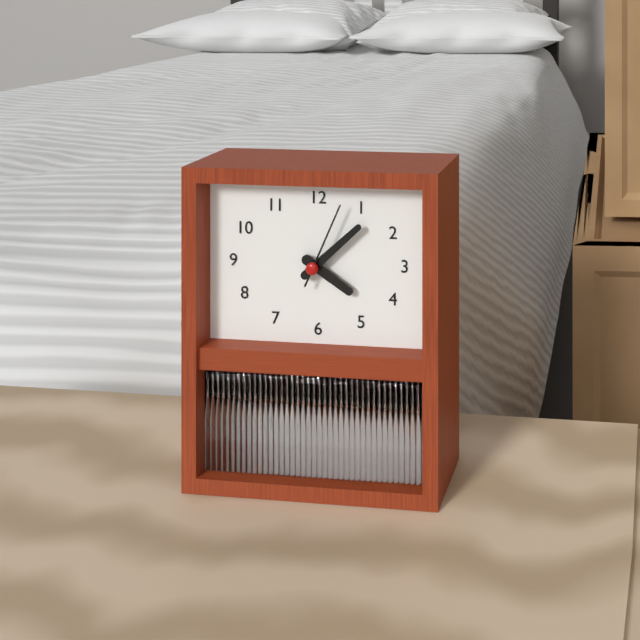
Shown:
4 h 08 min 04 s
